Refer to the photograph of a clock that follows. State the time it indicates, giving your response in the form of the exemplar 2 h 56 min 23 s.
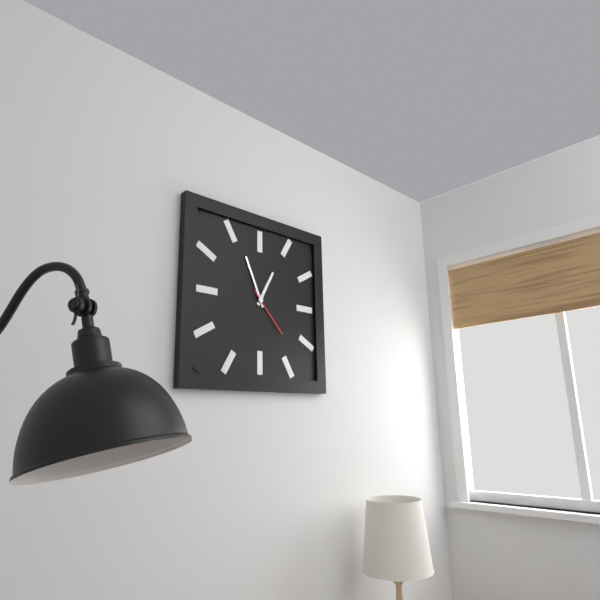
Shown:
12 h 56 min 23 s
